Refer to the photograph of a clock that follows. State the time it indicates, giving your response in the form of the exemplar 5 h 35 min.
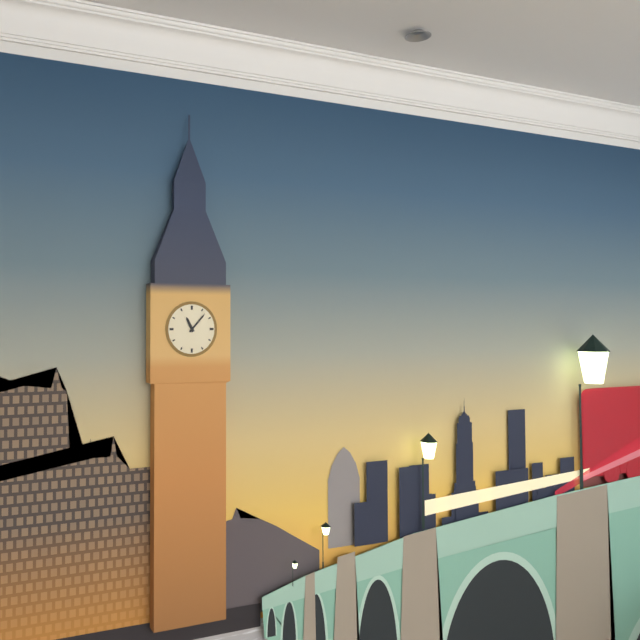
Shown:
11 h 07 min
